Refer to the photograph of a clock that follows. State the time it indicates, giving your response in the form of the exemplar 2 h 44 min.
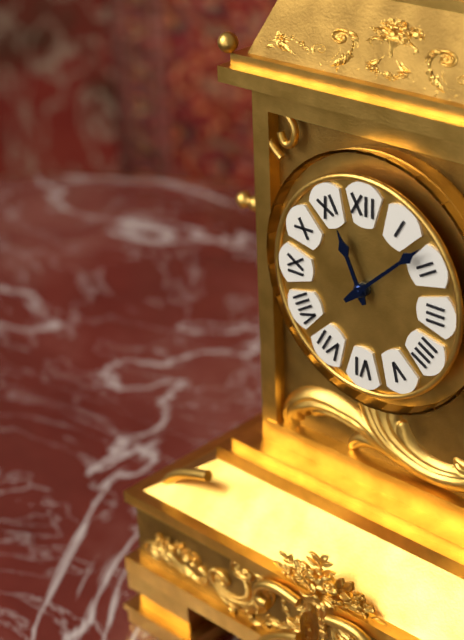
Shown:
11 h 08 min
